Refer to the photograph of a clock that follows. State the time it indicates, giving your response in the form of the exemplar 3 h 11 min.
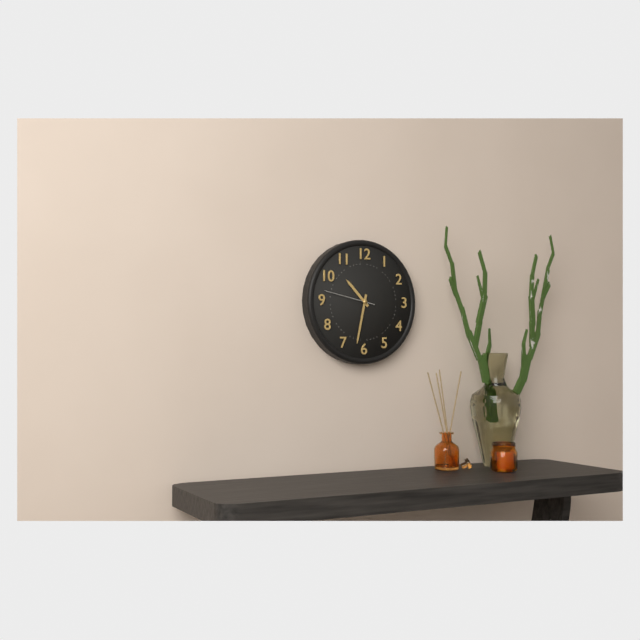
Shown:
10 h 32 min
